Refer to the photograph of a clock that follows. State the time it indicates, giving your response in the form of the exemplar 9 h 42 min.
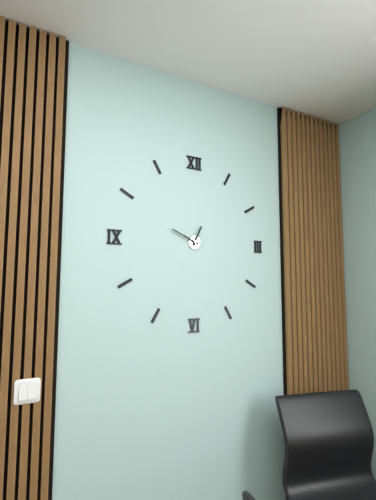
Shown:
12 h 49 min
